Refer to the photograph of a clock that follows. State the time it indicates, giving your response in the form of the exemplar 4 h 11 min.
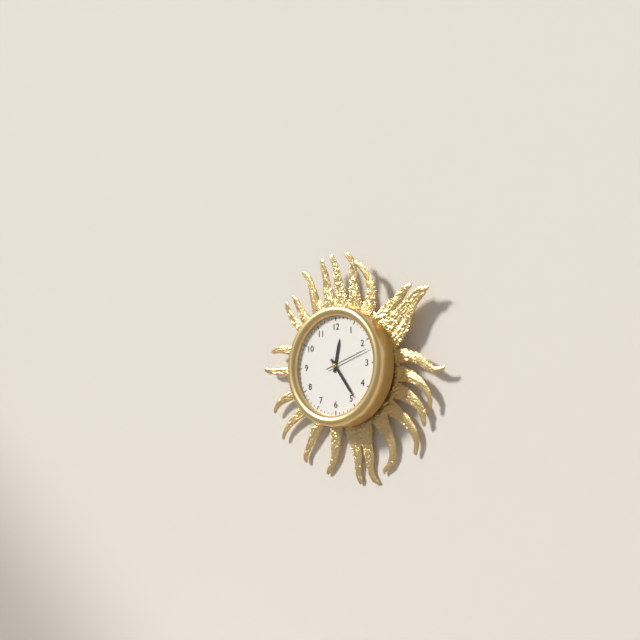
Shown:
12 h 24 min
